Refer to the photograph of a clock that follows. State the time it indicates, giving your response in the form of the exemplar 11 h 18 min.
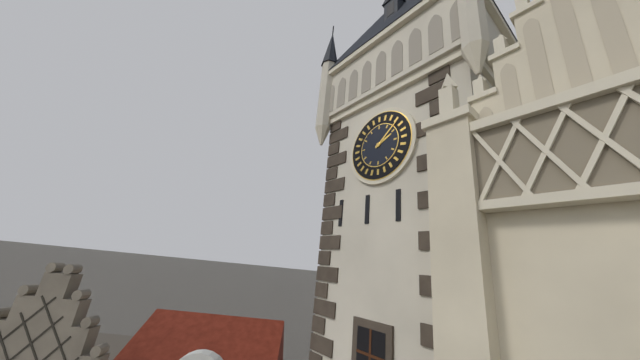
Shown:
2 h 08 min
